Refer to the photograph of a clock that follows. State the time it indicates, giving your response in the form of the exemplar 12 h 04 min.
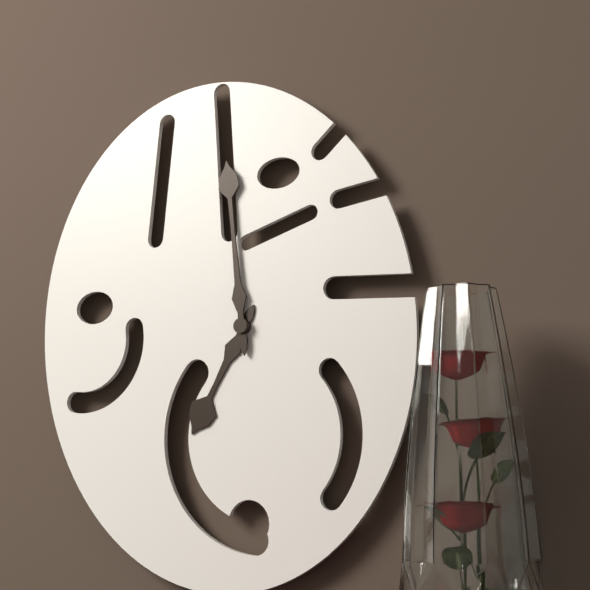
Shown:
6 h 59 min
